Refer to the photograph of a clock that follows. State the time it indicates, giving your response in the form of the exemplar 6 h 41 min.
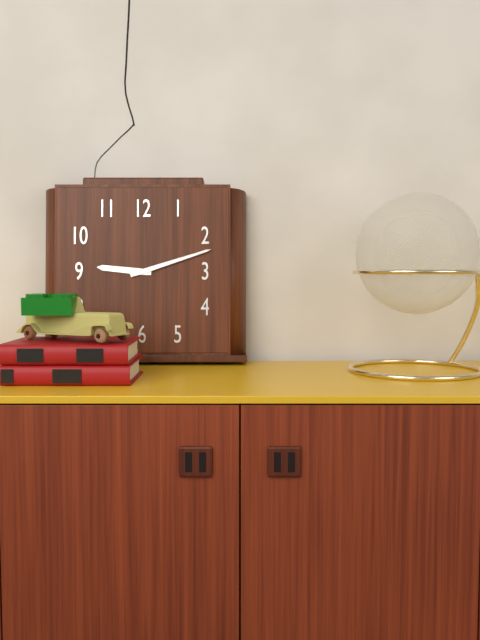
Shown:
9 h 12 min
